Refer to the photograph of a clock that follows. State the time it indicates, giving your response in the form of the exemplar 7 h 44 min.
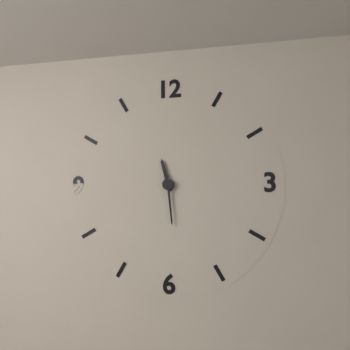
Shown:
11 h 29 min
